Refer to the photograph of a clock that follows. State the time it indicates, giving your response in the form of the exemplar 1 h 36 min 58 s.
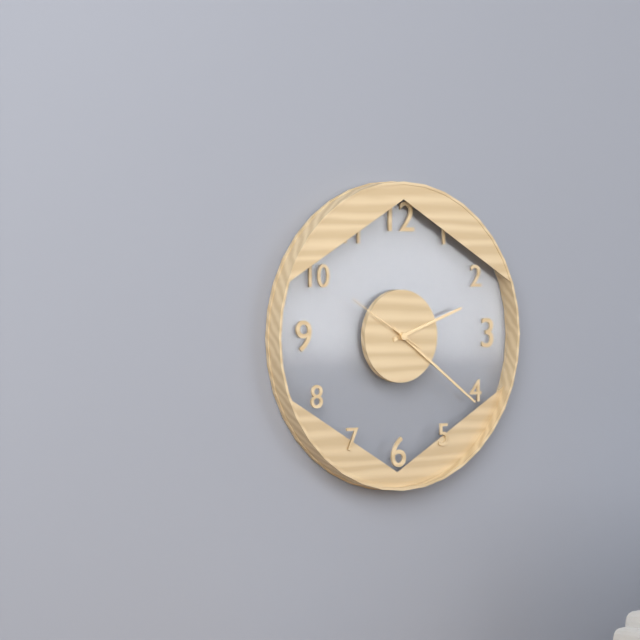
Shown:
2 h 21 min 50 s
